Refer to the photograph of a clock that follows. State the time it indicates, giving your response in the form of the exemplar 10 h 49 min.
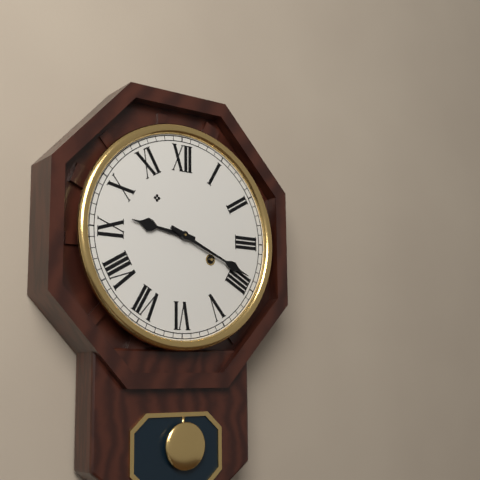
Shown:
9 h 19 min
